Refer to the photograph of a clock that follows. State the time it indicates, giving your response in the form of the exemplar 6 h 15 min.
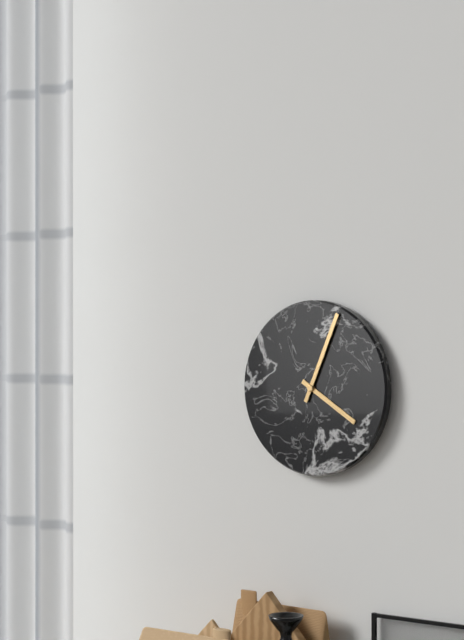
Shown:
4 h 04 min
